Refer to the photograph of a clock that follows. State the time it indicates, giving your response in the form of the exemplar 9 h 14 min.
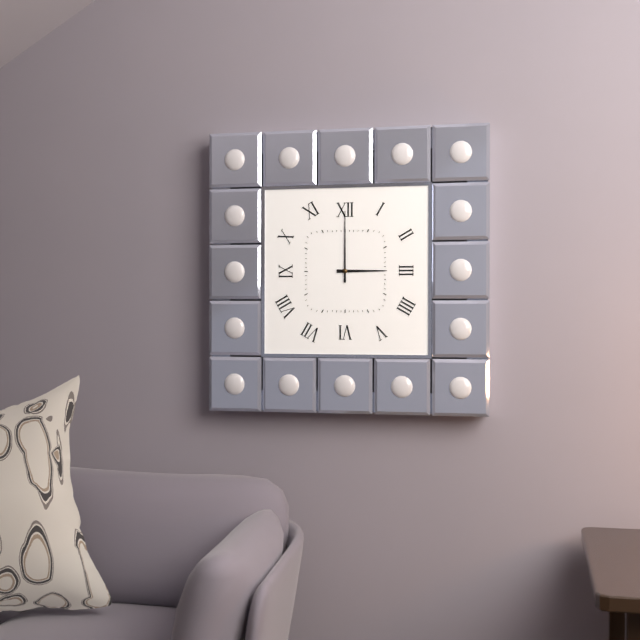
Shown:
3 h 00 min
